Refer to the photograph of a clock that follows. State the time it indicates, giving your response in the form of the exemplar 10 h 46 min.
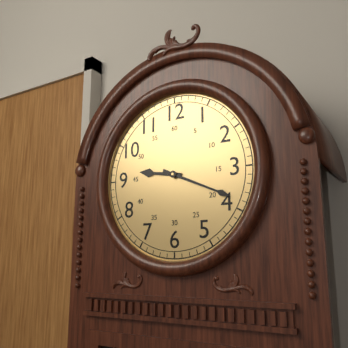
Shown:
9 h 19 min
